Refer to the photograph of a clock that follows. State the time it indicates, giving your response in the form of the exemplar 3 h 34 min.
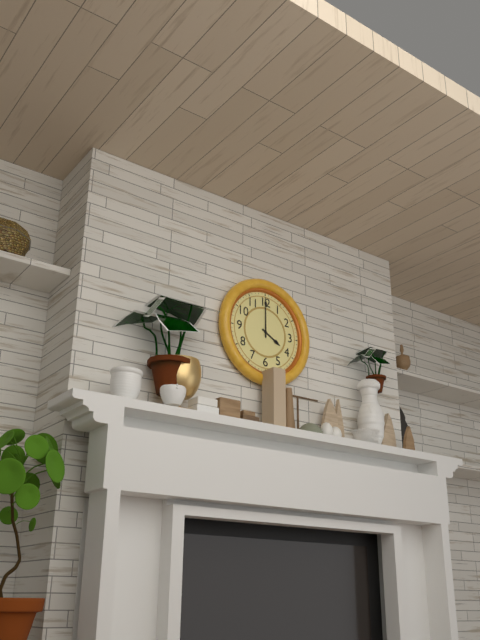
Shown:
4 h 00 min
